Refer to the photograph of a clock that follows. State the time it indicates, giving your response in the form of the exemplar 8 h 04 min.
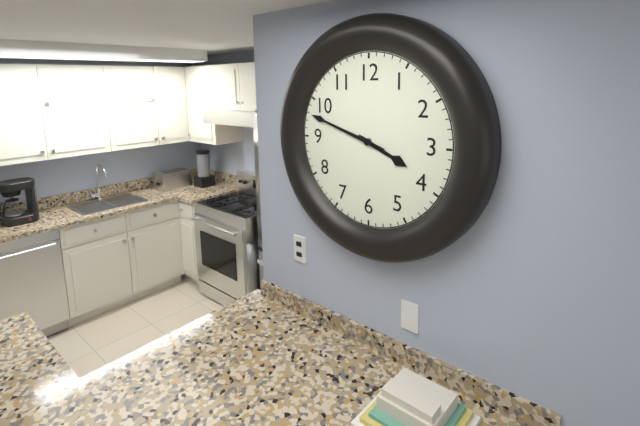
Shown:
3 h 48 min
